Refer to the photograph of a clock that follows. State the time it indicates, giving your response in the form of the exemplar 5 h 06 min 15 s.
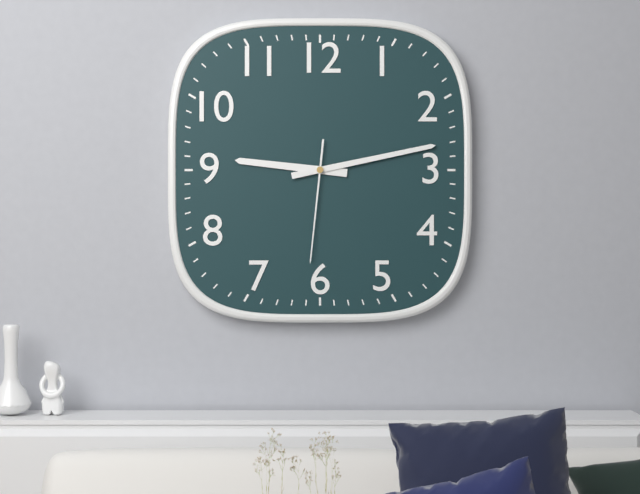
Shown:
9 h 13 min 31 s
